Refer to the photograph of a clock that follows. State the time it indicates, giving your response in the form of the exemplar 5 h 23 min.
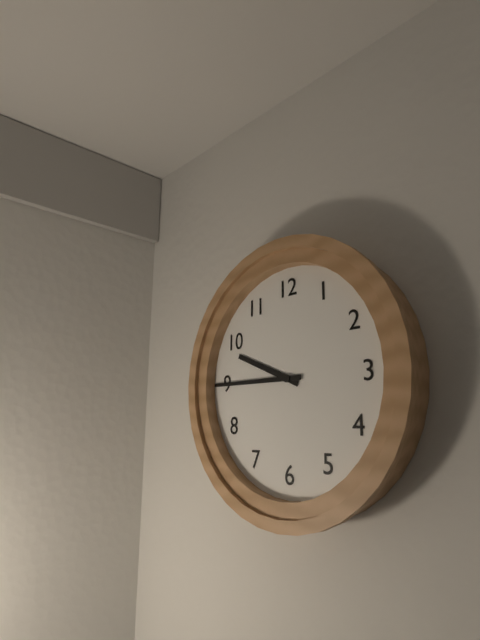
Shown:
9 h 45 min
